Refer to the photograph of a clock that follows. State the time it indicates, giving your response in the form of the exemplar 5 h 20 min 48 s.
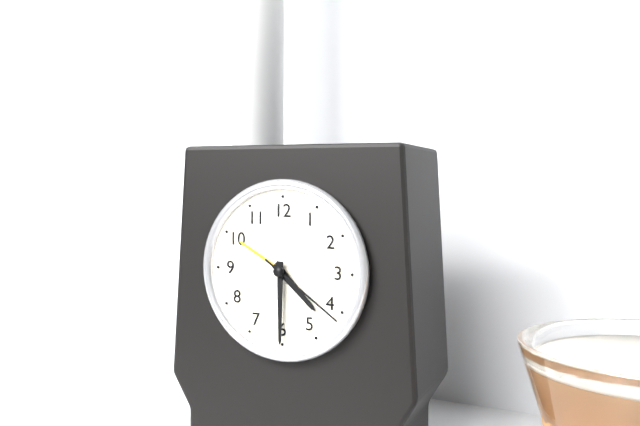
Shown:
4 h 30 min 21 s
